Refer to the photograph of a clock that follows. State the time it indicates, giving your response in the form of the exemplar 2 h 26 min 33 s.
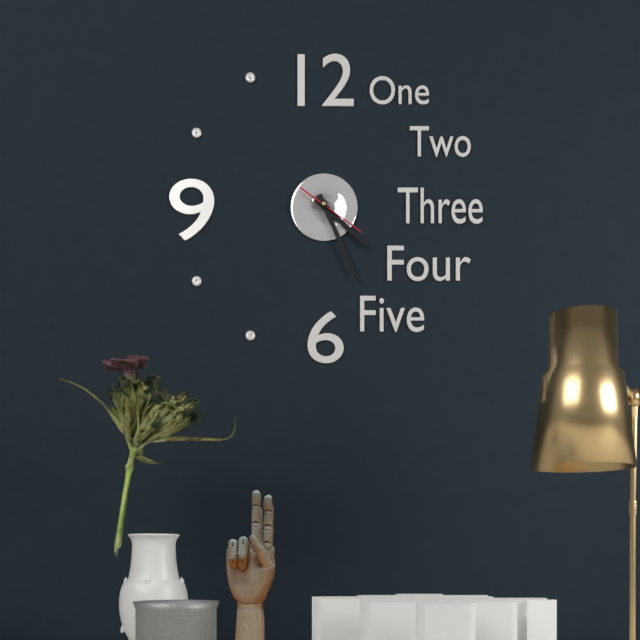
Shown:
4 h 26 min 21 s
